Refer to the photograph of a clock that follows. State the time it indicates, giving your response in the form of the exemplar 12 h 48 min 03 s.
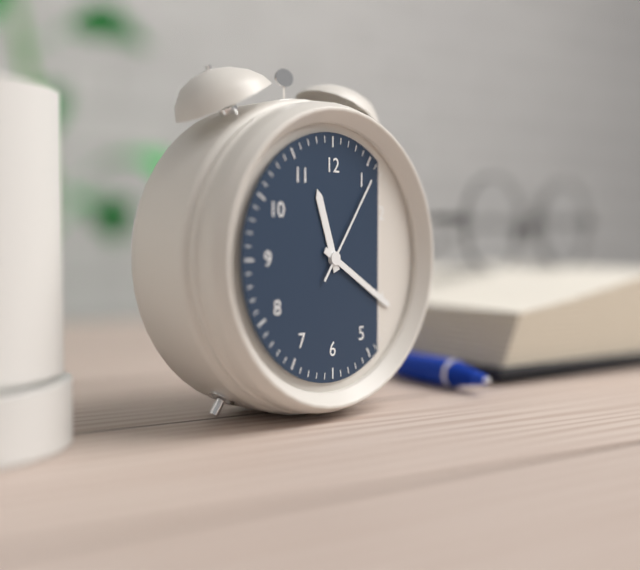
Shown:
11 h 20 min 06 s
